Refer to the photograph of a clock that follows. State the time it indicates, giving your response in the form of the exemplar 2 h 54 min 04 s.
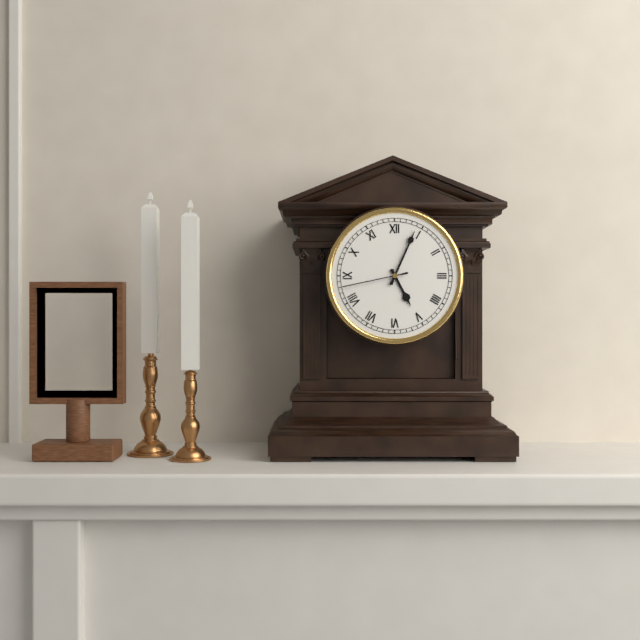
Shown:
5 h 04 min 43 s
